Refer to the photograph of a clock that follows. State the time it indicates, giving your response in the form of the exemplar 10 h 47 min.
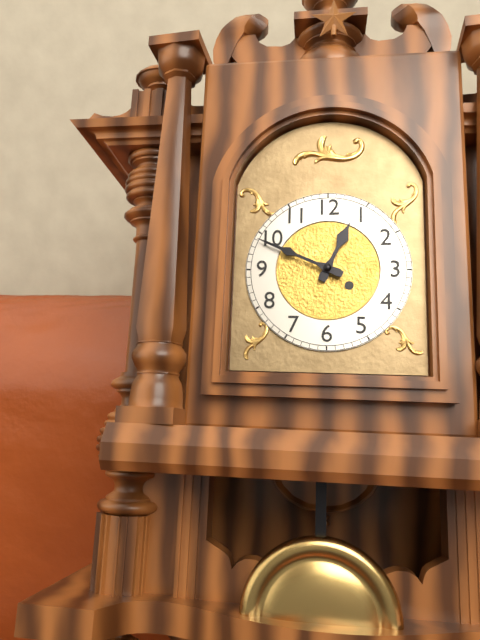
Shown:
12 h 49 min
